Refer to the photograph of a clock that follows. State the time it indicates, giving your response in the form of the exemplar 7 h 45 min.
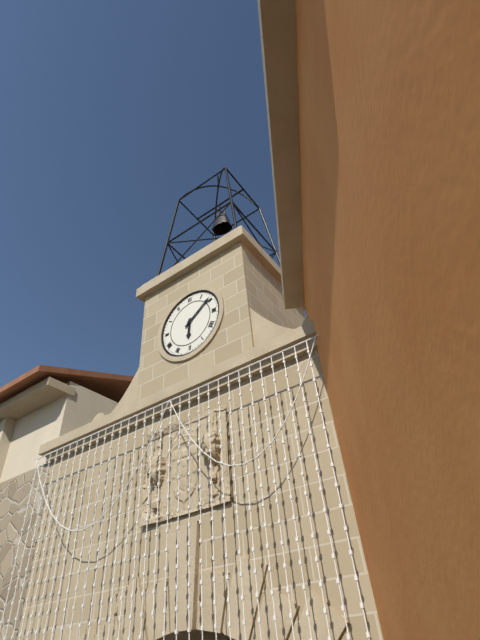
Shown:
6 h 09 min
